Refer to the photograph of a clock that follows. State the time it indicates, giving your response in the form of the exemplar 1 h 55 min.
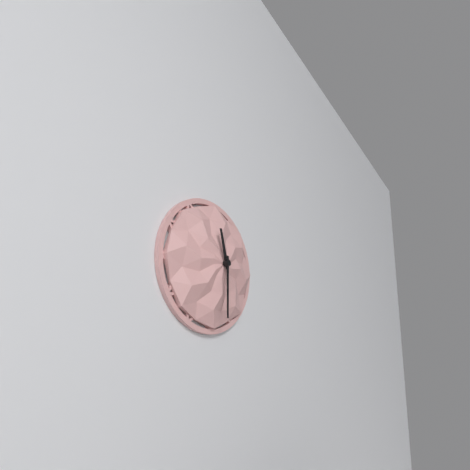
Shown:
11 h 30 min
